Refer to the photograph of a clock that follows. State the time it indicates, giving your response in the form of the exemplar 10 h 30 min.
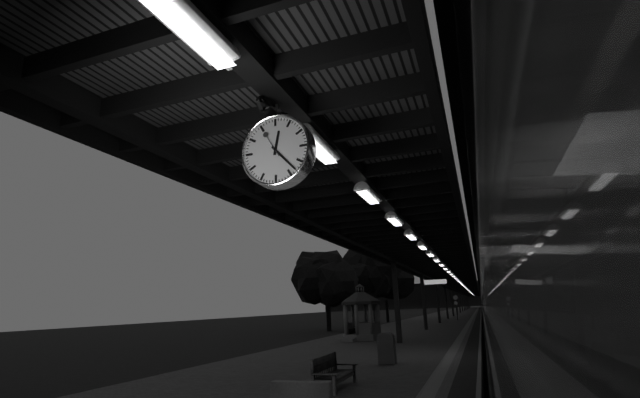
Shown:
12 h 23 min
